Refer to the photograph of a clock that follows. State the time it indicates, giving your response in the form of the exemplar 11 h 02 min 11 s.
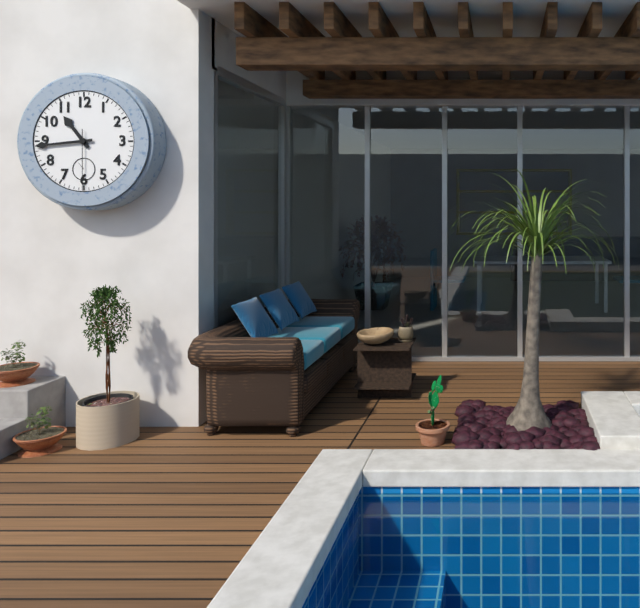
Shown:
10 h 44 min 30 s
